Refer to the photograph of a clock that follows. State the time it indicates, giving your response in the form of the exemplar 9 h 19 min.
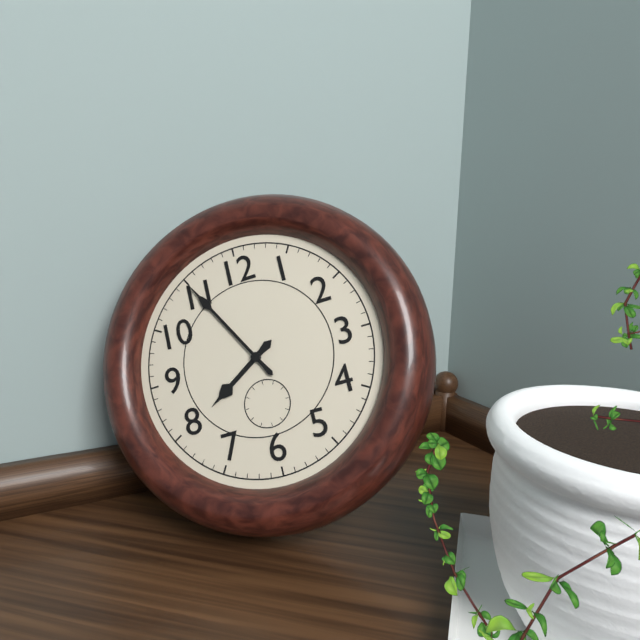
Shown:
7 h 55 min
